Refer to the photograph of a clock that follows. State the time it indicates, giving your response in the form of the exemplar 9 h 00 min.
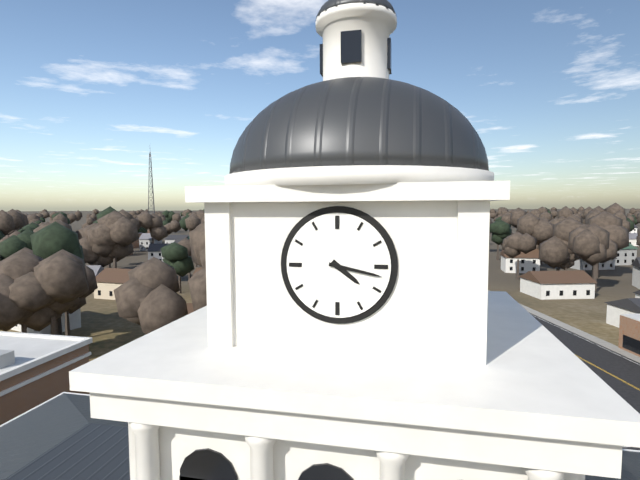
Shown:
4 h 17 min
